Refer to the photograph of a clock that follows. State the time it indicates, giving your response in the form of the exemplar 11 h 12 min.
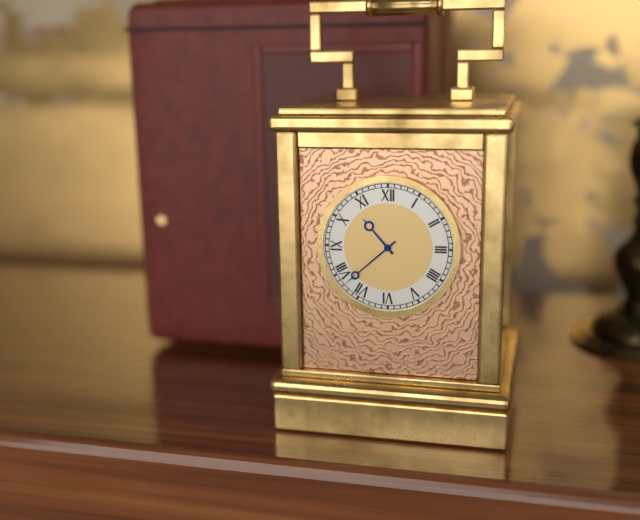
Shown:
10 h 38 min
